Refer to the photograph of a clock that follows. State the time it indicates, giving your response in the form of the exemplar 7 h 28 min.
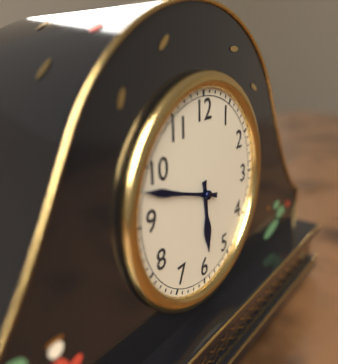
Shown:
5 h 48 min
